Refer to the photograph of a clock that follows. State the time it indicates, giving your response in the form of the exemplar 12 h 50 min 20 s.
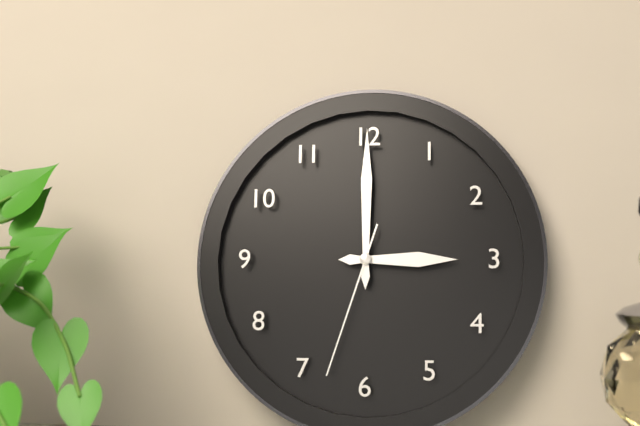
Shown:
3 h 00 min 33 s
